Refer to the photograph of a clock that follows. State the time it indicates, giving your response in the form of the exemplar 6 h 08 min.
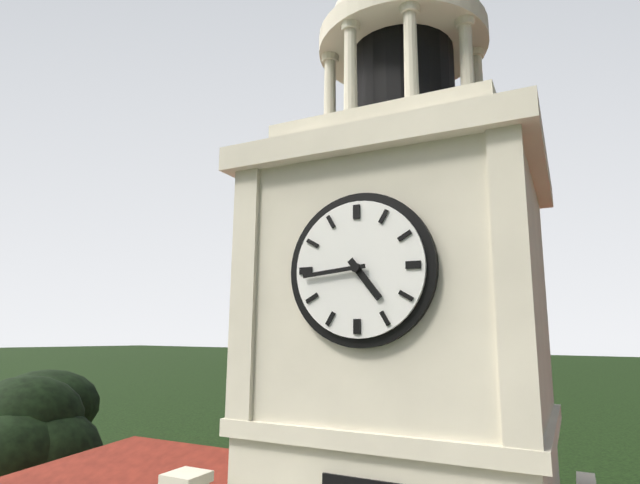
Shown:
4 h 44 min
